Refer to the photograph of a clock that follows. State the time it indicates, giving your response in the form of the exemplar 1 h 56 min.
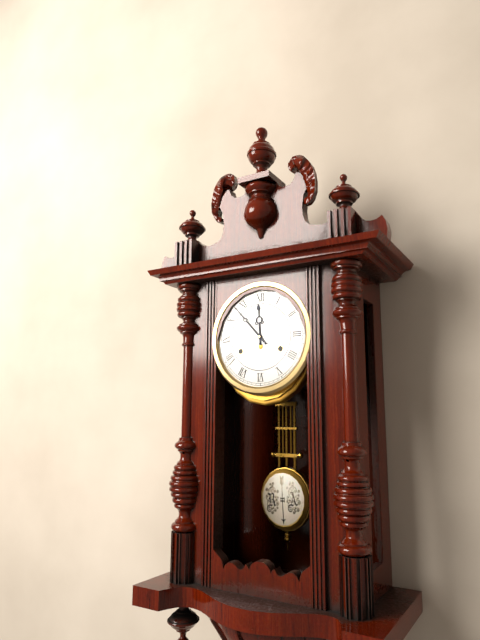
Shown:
11 h 53 min
